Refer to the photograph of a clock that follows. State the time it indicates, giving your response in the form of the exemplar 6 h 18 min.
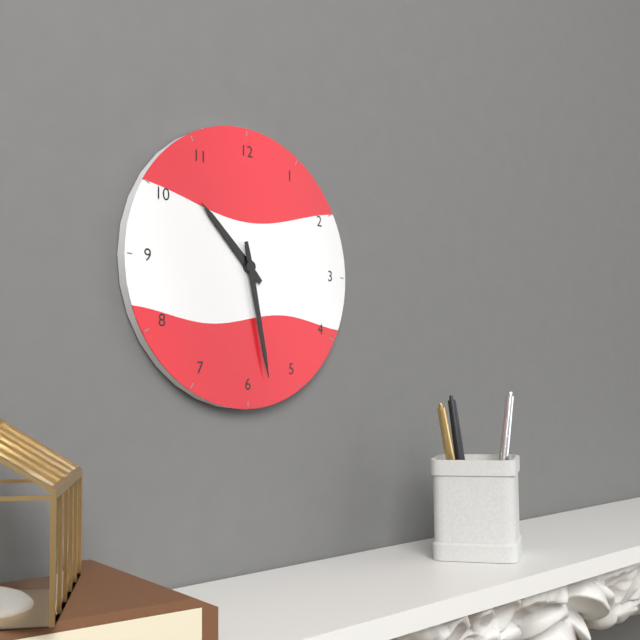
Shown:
10 h 28 min
